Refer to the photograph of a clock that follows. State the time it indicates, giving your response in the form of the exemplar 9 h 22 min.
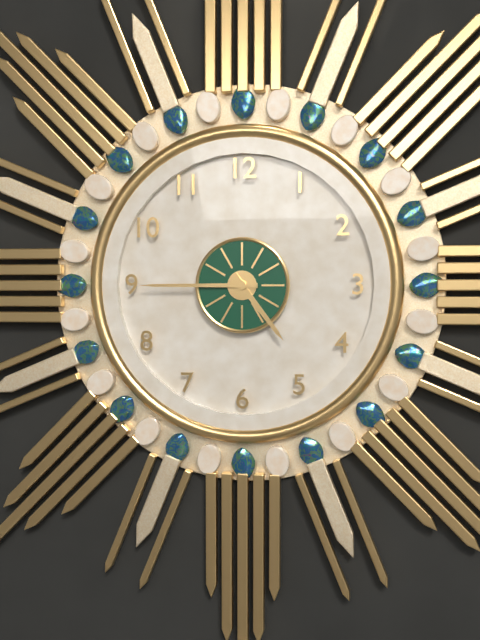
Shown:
4 h 45 min
